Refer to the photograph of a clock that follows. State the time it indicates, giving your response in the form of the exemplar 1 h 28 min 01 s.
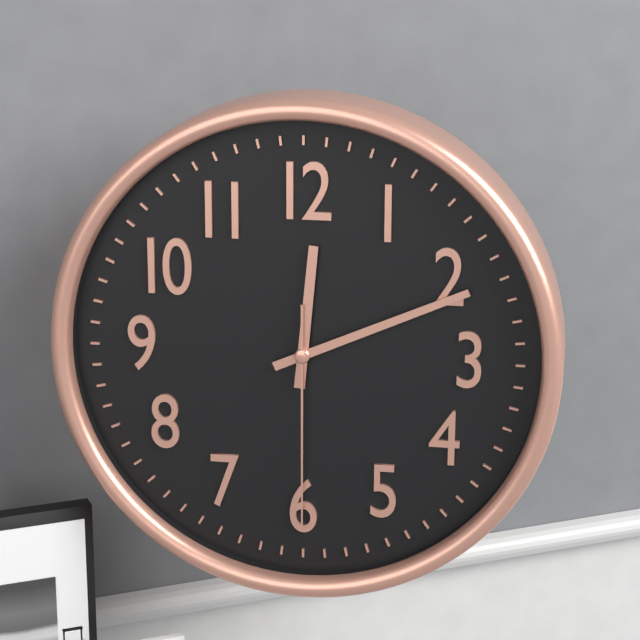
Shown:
12 h 11 min 30 s
